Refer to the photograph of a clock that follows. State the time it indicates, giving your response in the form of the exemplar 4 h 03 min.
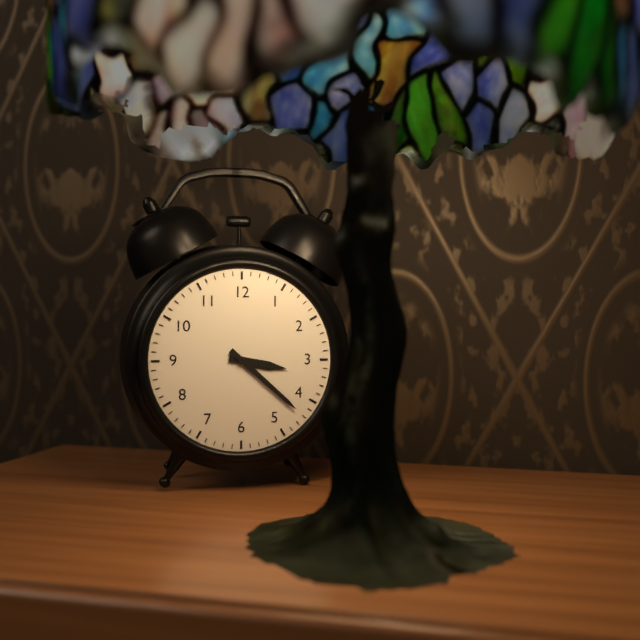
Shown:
3 h 22 min
